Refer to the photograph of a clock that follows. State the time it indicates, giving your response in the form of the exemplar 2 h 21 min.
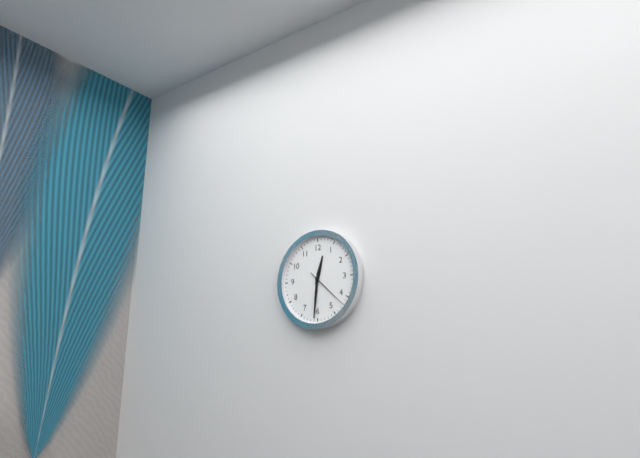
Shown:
12 h 31 min
